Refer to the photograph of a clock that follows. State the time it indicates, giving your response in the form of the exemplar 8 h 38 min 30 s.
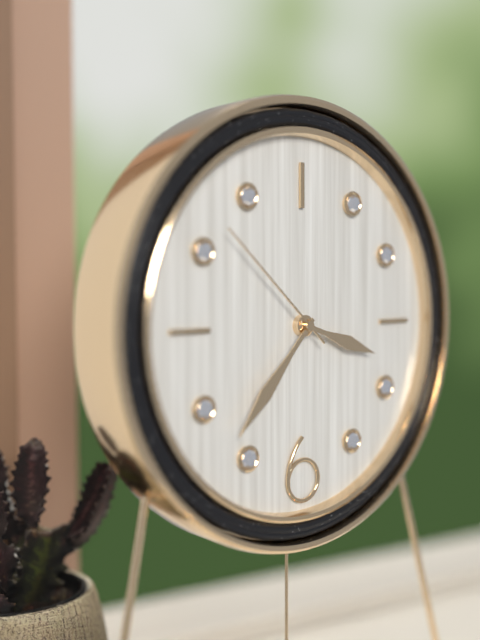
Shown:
3 h 37 min 52 s
